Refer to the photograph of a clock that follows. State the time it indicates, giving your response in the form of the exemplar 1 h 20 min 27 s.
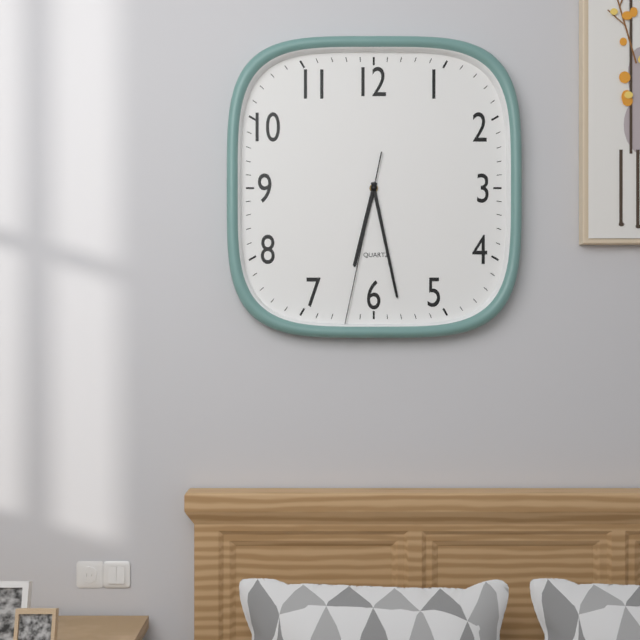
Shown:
6 h 28 min 32 s
